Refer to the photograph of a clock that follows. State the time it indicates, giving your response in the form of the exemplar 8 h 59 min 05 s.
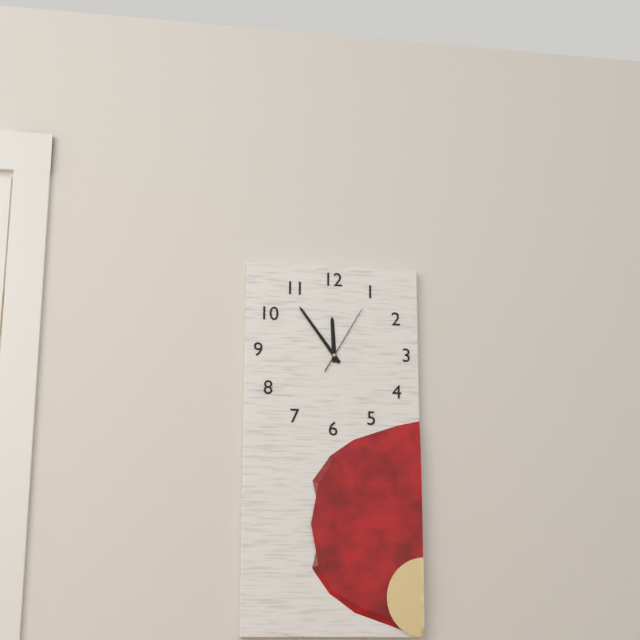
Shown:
11 h 54 min 05 s
